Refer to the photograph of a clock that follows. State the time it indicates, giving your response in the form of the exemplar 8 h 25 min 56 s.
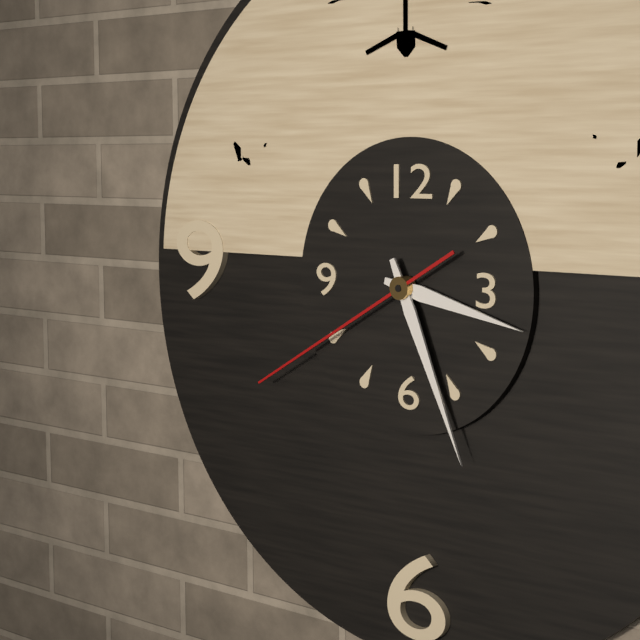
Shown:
3 h 26 min 40 s
